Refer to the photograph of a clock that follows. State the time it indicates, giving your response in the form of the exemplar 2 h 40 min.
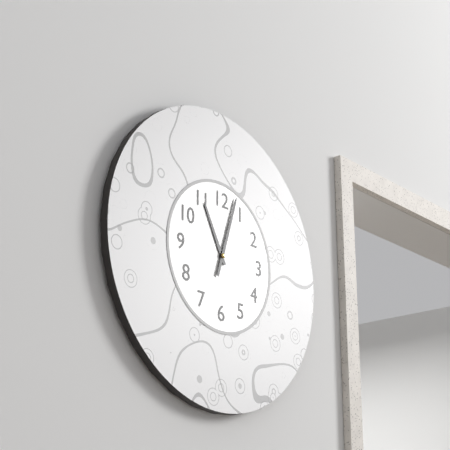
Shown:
11 h 03 min
